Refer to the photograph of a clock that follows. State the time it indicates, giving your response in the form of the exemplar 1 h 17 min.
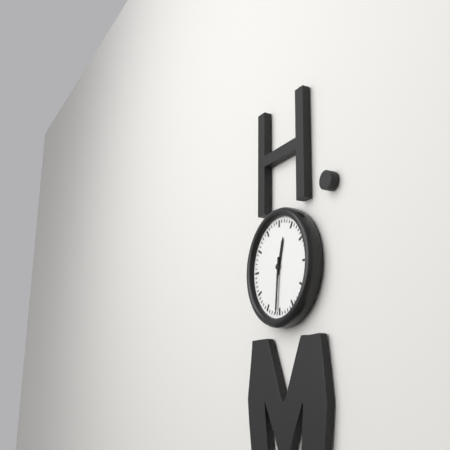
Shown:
12 h 31 min
